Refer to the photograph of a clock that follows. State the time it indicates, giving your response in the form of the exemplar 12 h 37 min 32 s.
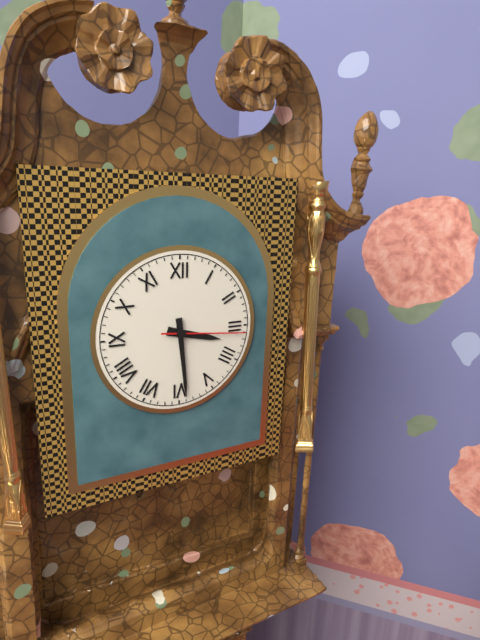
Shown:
3 h 29 min 16 s
